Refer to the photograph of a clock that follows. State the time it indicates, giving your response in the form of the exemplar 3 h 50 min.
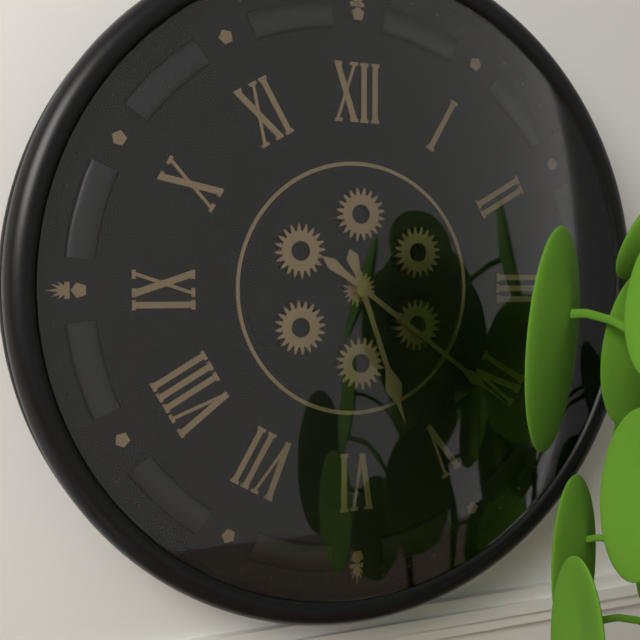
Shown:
5 h 21 min
